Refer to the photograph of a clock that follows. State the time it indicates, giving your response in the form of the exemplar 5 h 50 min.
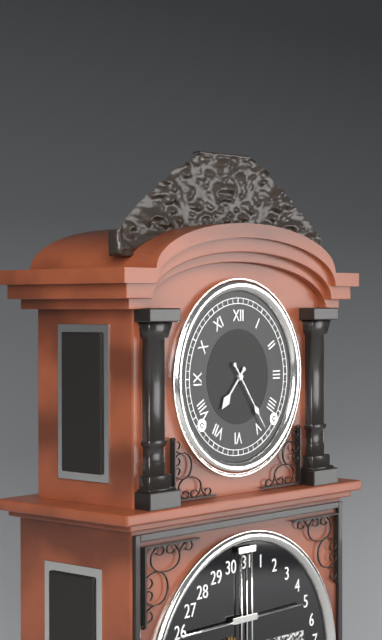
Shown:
7 h 24 min
